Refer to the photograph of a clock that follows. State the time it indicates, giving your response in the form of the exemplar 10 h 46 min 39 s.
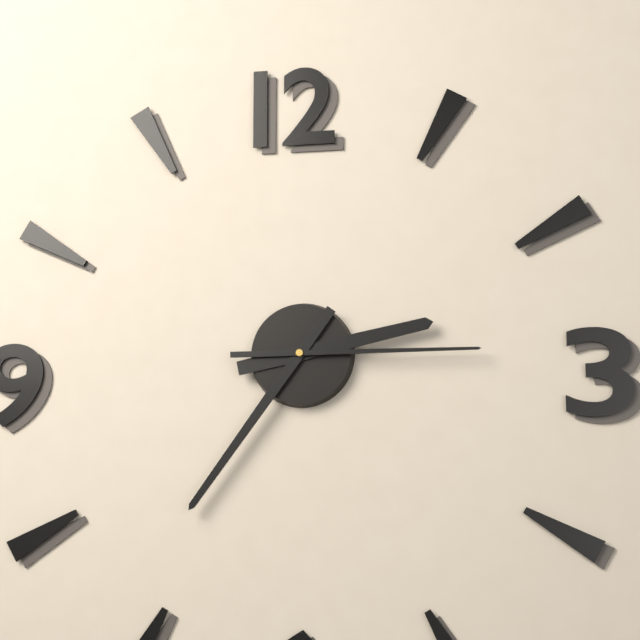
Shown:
2 h 36 min 15 s
